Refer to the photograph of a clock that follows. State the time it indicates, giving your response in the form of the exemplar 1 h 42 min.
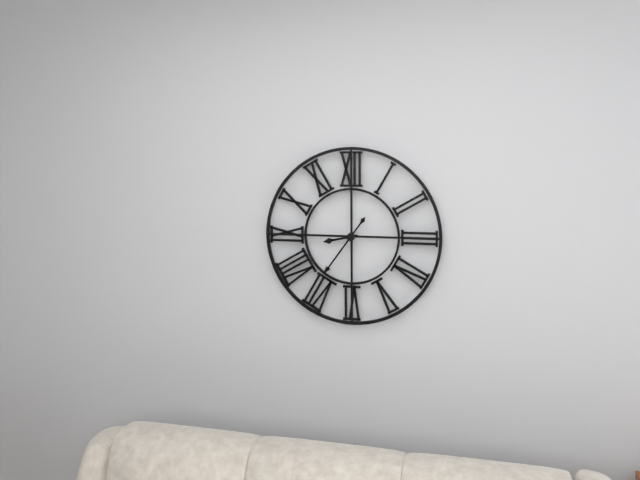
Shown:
8 h 36 min
